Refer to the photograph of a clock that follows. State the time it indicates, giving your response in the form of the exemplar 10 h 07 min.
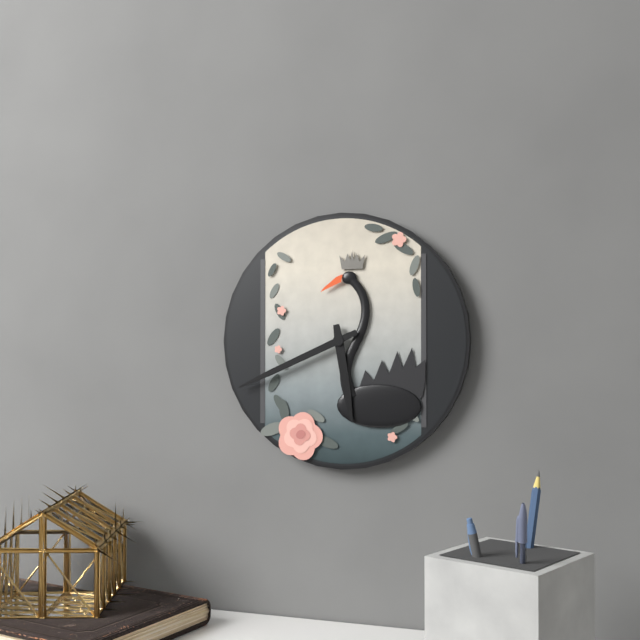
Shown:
5 h 41 min
